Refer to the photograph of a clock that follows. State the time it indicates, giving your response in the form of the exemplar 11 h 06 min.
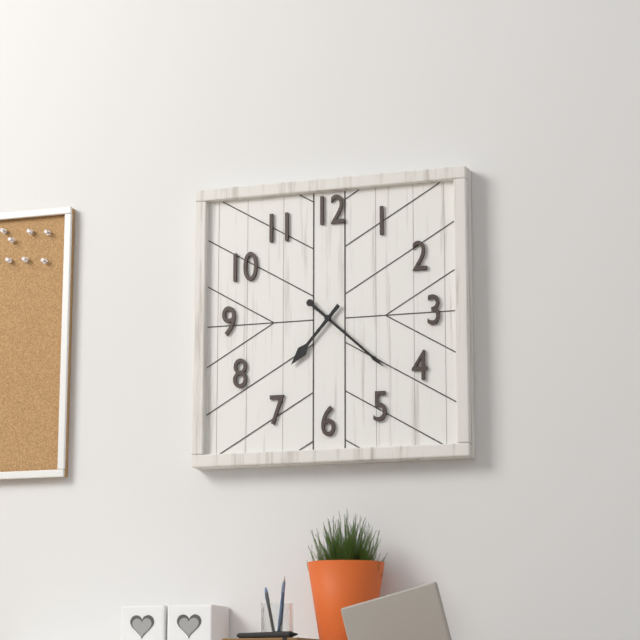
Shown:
7 h 22 min
